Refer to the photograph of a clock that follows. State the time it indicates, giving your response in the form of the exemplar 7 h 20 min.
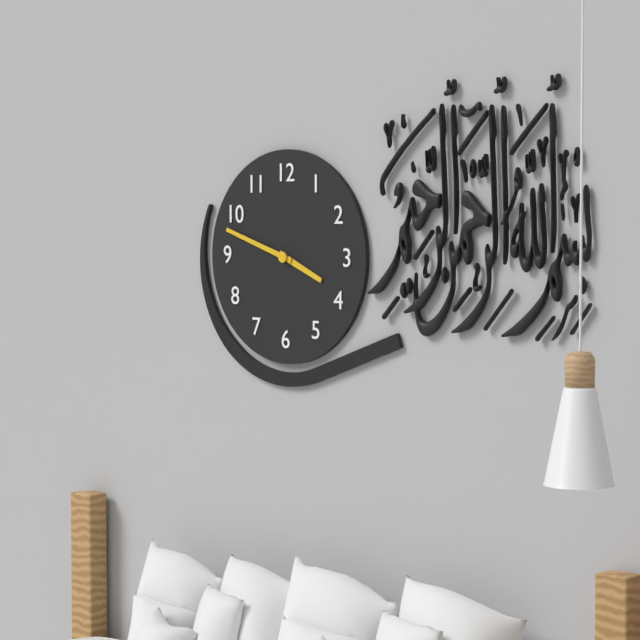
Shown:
3 h 48 min
